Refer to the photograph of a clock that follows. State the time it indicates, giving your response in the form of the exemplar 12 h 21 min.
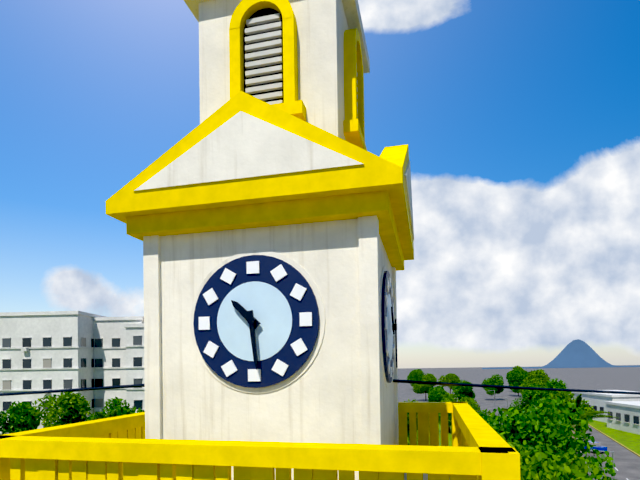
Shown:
10 h 29 min
